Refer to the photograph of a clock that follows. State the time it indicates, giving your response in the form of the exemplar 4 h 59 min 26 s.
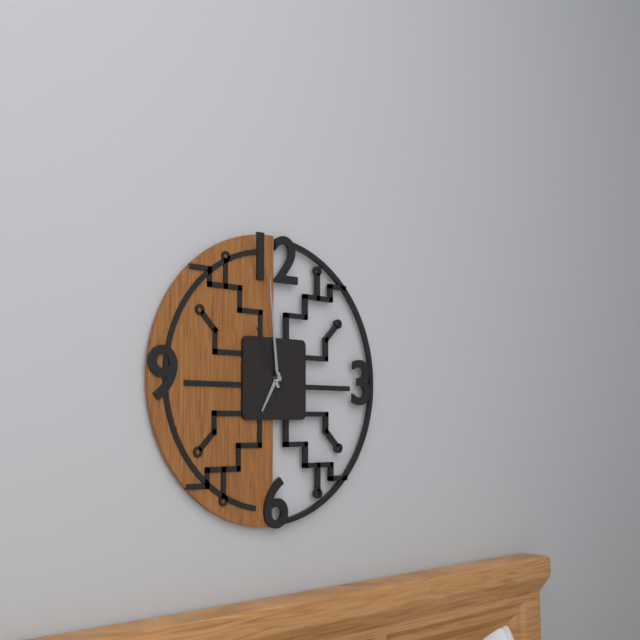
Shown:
6 h 59 min 55 s
